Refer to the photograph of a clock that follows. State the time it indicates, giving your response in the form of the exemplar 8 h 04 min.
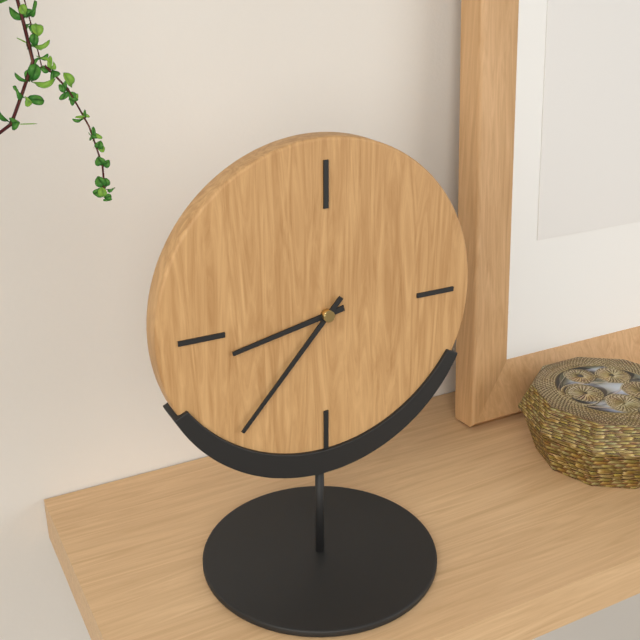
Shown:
8 h 37 min
